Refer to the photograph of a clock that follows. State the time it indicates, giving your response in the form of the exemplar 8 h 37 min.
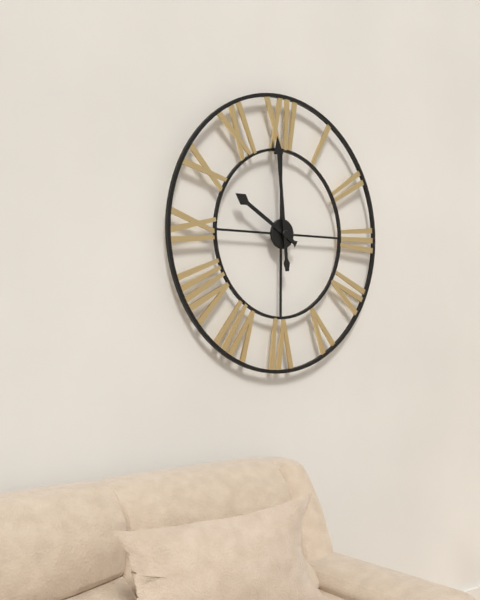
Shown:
9 h 59 min
